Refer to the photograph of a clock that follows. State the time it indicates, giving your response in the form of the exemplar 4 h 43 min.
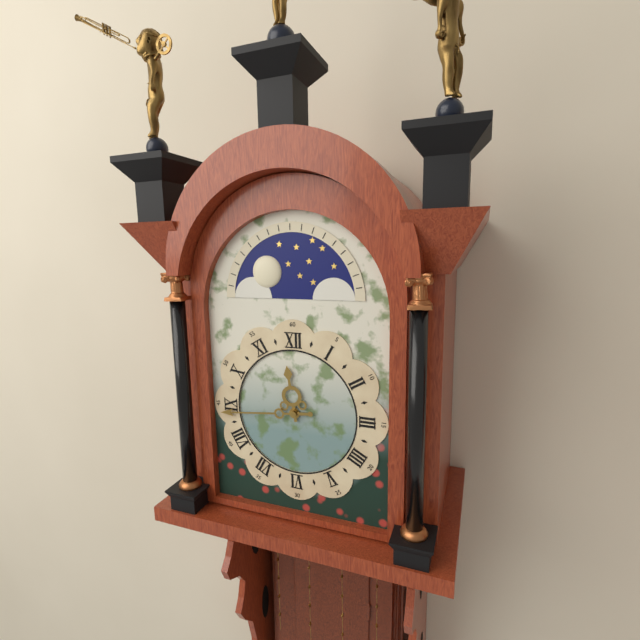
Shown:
11 h 44 min
